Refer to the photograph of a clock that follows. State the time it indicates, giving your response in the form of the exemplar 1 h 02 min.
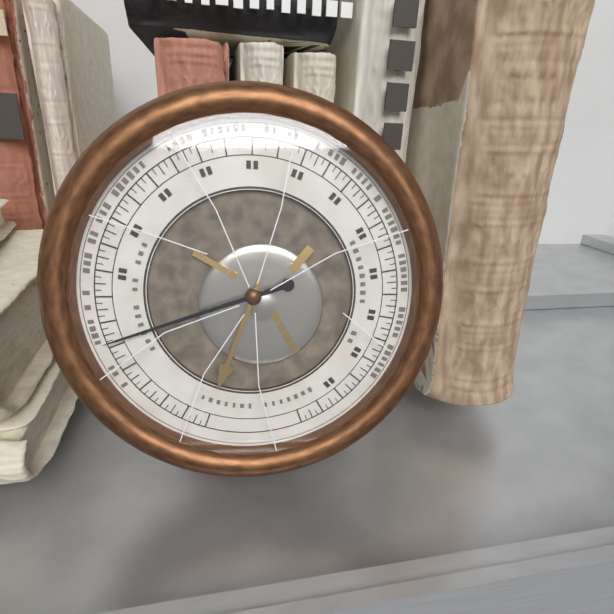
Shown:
6 h 42 min
